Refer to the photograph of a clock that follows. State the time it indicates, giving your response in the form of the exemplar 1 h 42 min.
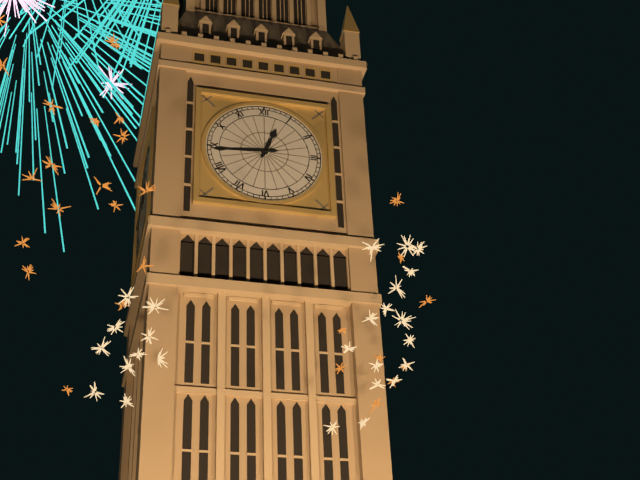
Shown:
12 h 44 min
